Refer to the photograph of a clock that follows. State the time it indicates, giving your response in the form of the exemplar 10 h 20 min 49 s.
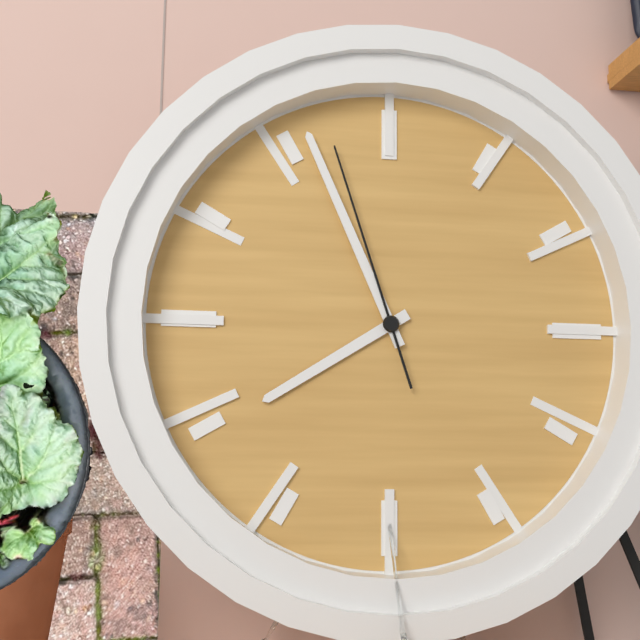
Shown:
7 h 56 min 57 s
